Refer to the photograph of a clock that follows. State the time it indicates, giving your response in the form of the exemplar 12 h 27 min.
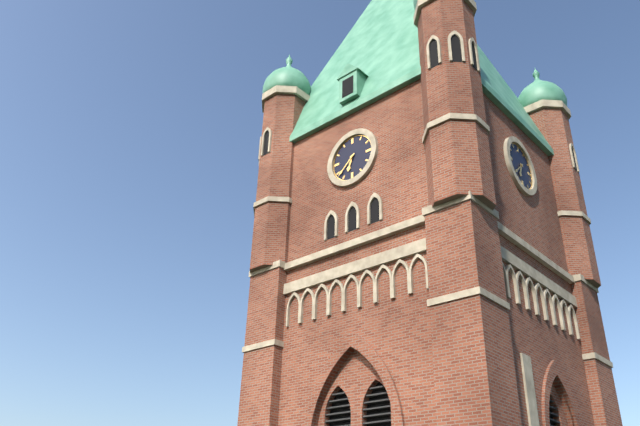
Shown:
6 h 38 min
